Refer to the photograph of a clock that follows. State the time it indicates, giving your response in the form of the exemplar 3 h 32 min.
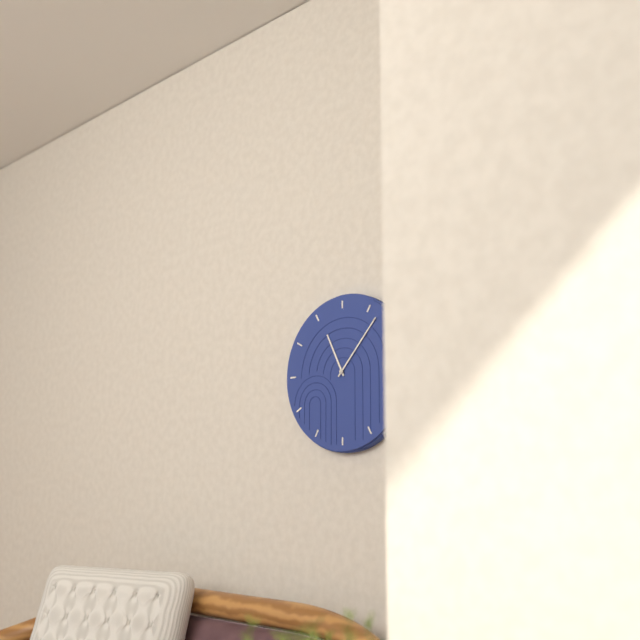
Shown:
11 h 07 min
